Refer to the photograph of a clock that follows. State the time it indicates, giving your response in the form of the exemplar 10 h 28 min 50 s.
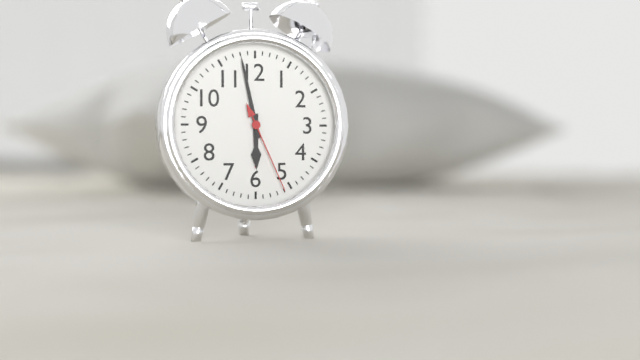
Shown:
5 h 58 min 26 s
